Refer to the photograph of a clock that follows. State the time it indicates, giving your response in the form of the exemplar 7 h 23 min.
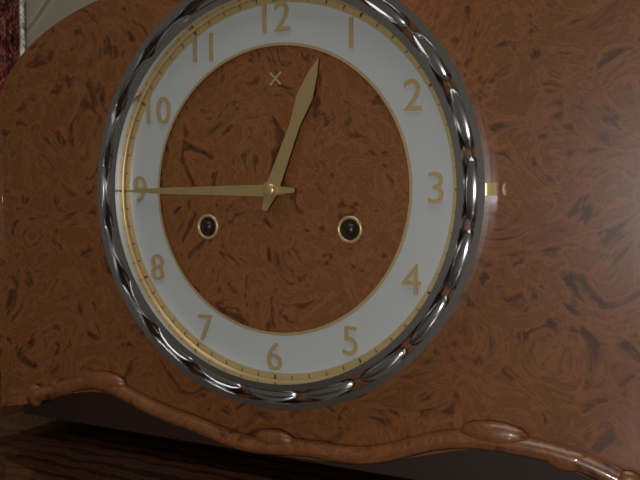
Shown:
12 h 45 min
